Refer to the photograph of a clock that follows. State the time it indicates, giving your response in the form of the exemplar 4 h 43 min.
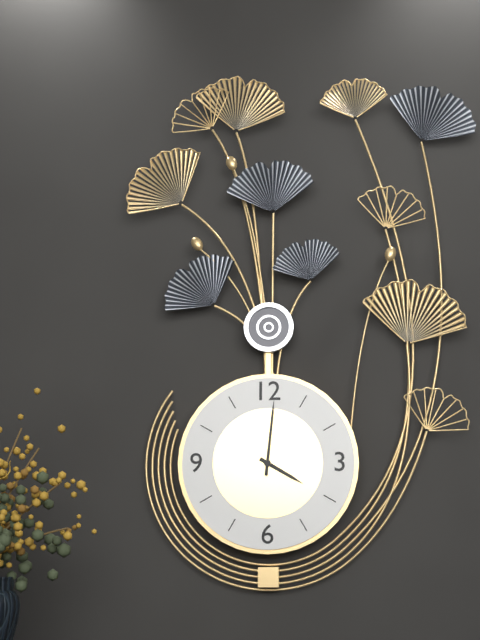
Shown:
4 h 01 min
